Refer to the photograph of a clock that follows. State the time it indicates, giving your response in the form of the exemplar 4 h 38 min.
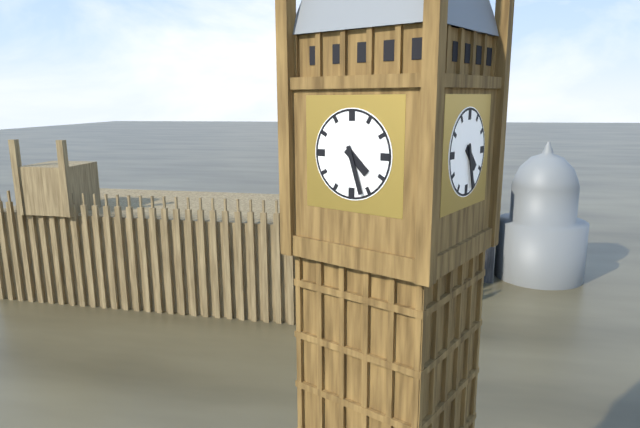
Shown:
4 h 27 min
